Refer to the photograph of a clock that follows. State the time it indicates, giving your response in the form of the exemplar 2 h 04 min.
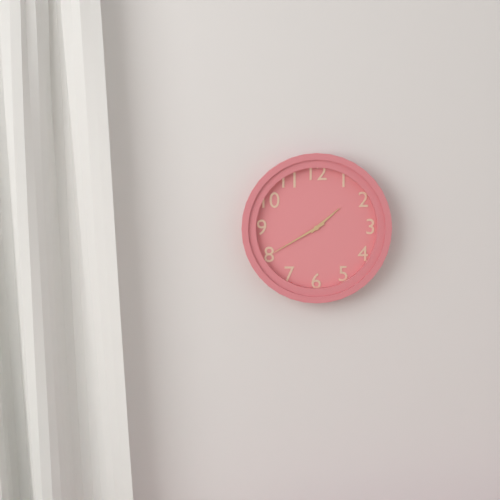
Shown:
1 h 40 min
